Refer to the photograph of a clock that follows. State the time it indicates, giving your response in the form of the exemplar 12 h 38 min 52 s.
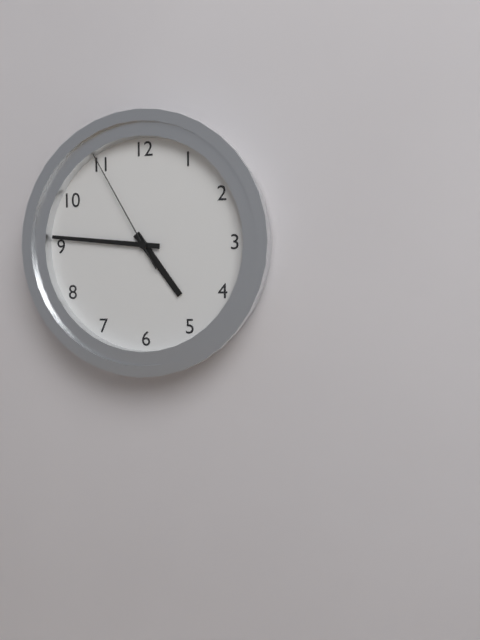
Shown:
4 h 46 min 55 s
